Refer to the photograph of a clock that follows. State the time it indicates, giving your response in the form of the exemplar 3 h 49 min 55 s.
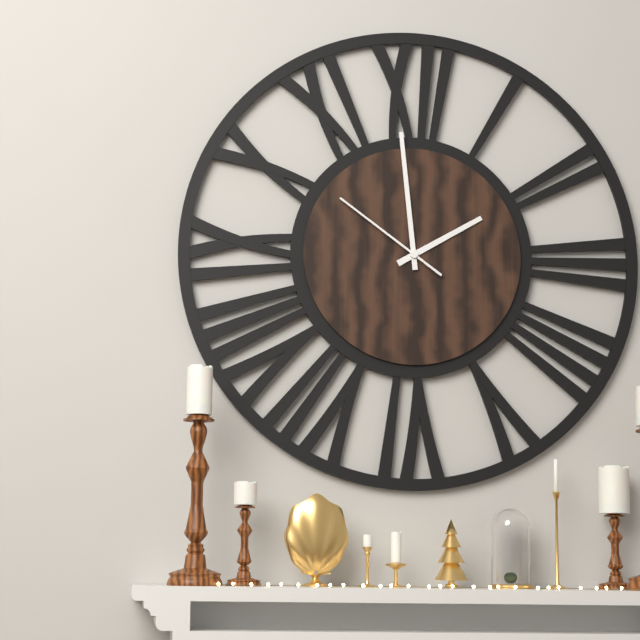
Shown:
1 h 59 min 51 s
